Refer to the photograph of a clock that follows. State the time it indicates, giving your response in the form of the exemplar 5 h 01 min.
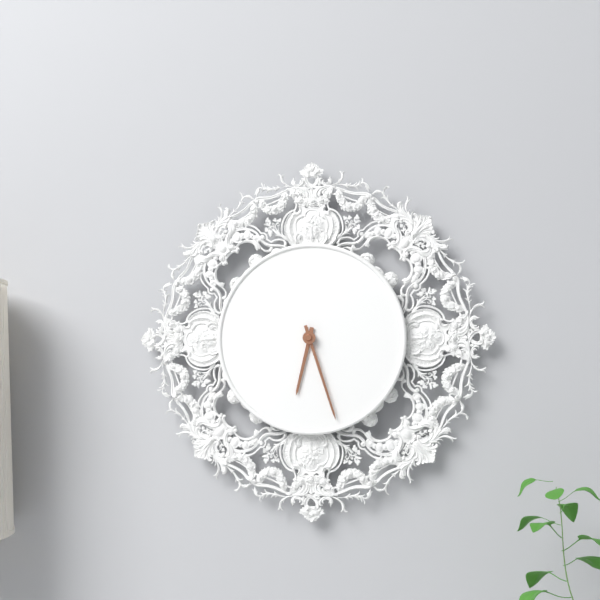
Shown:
6 h 27 min
